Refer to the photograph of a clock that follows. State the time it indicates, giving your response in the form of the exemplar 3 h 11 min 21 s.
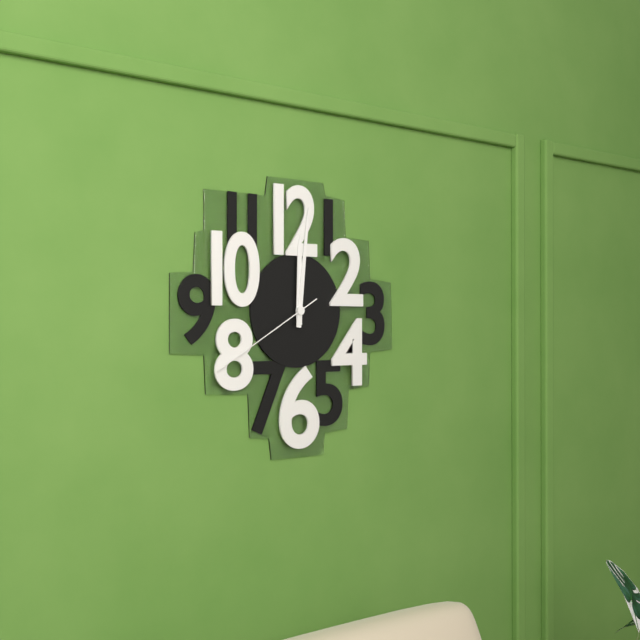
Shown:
12 h 01 min 40 s
